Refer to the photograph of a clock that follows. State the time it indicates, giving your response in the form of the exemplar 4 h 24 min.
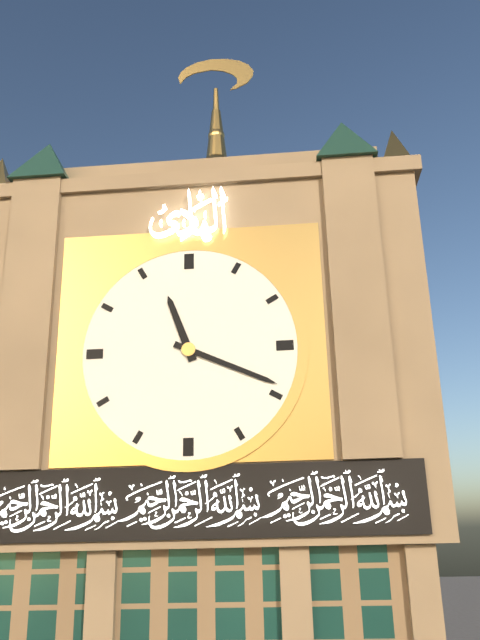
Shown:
11 h 19 min
